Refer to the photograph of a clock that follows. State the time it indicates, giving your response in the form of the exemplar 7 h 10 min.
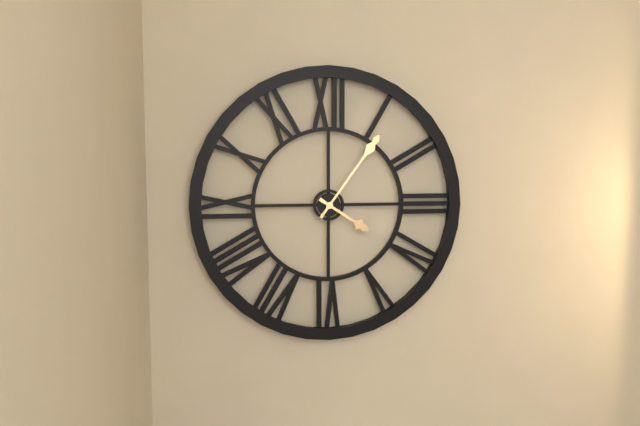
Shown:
4 h 06 min
